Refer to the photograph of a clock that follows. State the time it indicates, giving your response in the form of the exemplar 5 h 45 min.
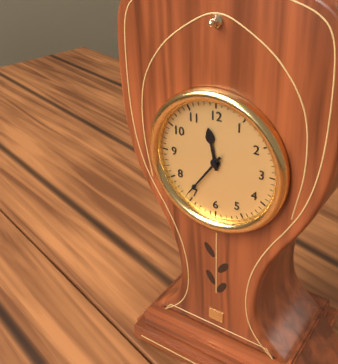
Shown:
11 h 36 min
